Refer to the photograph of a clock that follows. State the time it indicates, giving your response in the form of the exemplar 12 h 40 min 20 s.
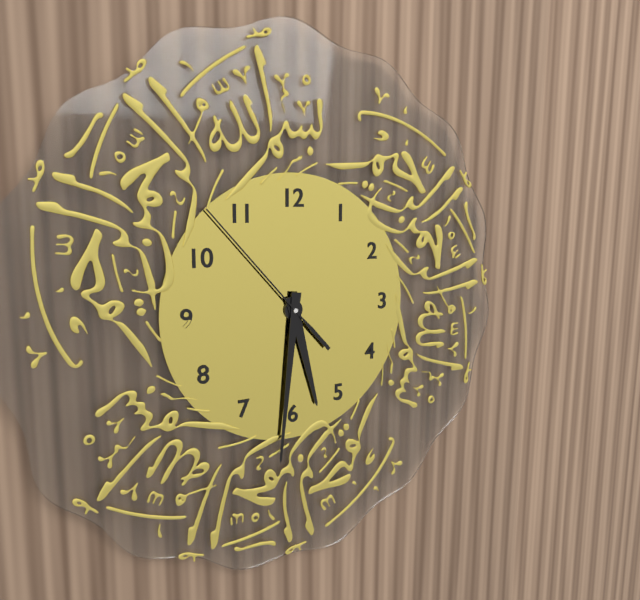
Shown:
5 h 31 min 53 s
